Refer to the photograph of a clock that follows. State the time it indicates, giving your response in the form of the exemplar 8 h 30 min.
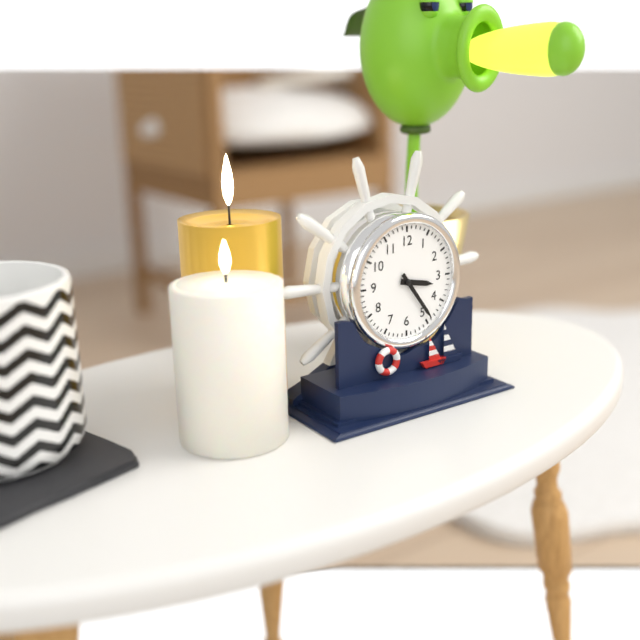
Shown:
3 h 24 min
